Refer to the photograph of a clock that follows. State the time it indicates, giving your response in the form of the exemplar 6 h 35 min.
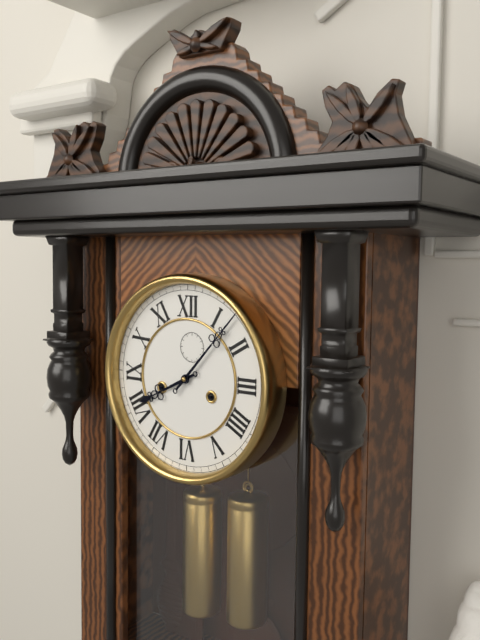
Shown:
8 h 07 min
